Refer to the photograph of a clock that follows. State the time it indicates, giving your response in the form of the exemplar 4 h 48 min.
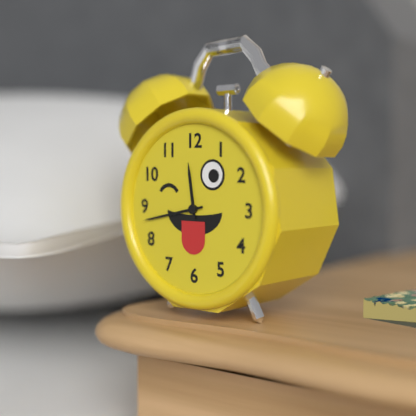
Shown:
11 h 43 min
